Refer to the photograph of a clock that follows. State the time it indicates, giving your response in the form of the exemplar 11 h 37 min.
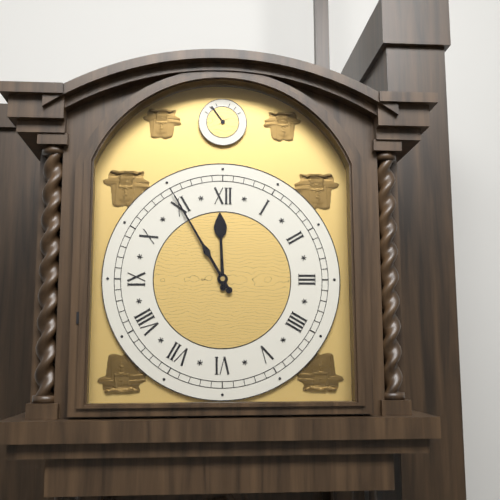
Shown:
11 h 55 min
